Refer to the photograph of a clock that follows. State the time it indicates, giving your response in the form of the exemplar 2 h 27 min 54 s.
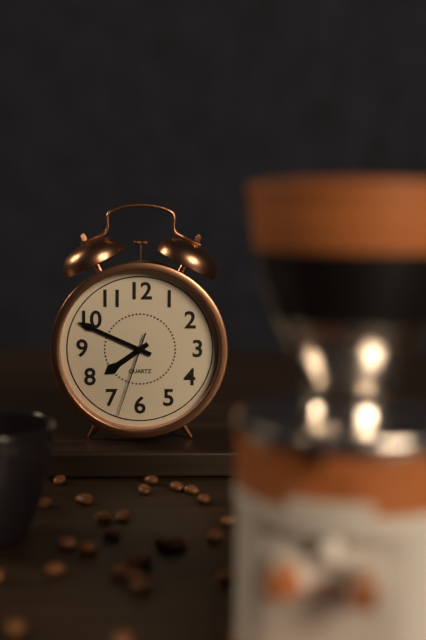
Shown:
7 h 49 min 33 s
